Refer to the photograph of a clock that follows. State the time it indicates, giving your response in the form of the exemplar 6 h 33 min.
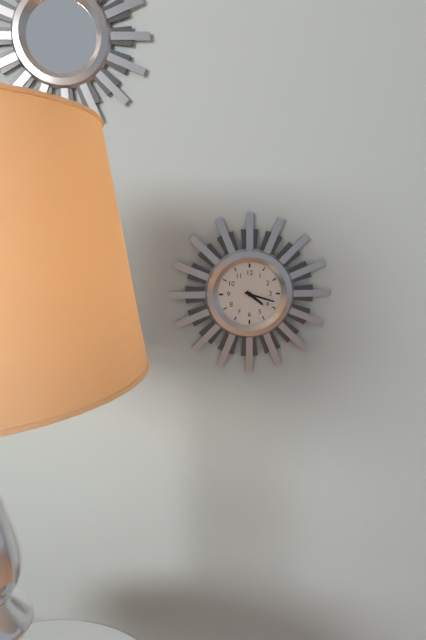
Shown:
4 h 18 min
